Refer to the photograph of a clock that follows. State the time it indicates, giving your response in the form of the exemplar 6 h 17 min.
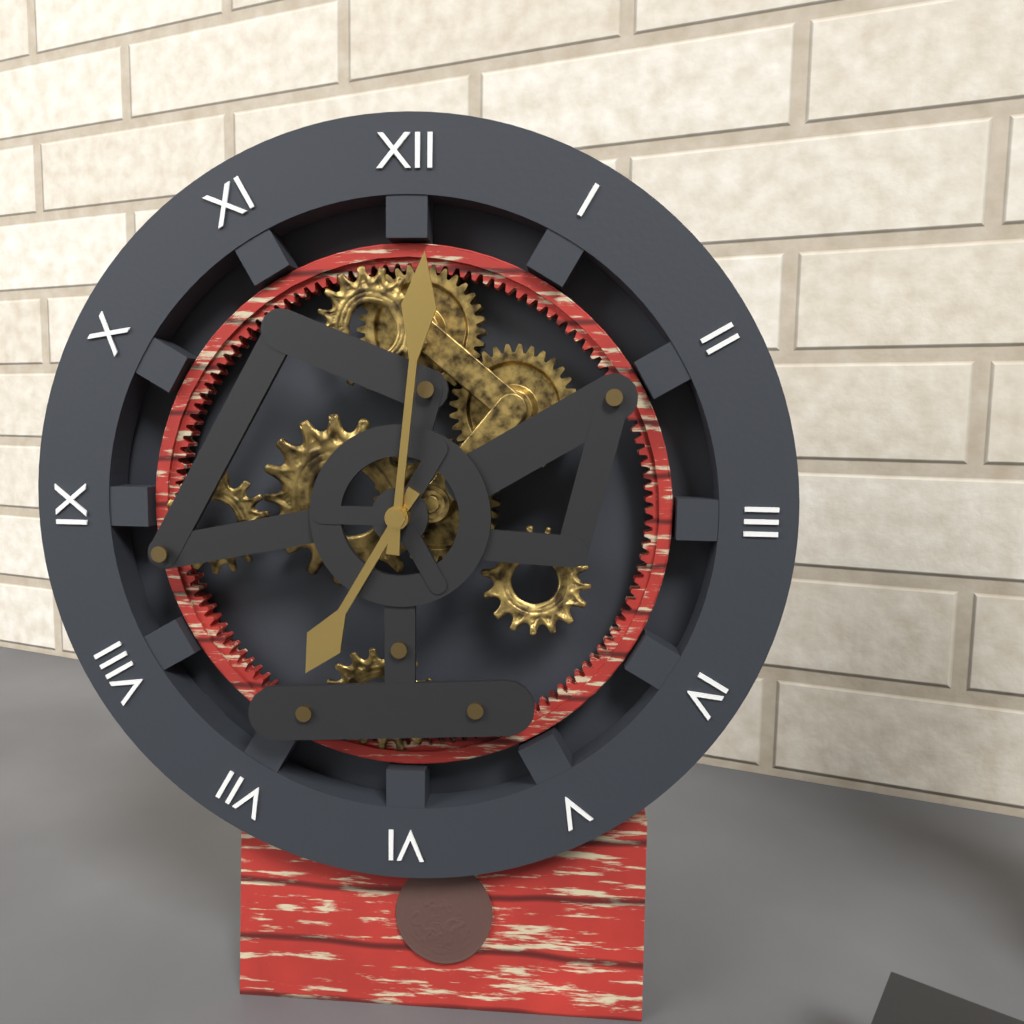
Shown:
7 h 01 min
